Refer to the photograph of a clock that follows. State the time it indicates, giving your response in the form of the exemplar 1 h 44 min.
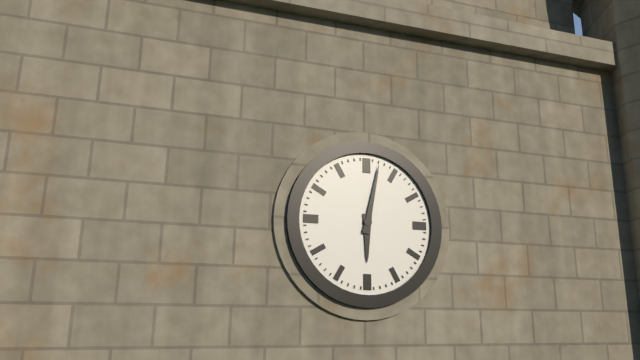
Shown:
6 h 02 min
